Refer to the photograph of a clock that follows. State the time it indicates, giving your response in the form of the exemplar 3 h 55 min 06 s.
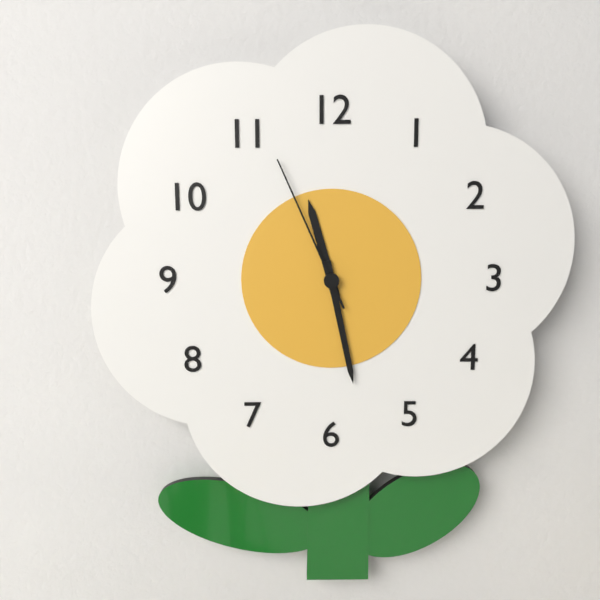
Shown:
11 h 28 min 56 s
